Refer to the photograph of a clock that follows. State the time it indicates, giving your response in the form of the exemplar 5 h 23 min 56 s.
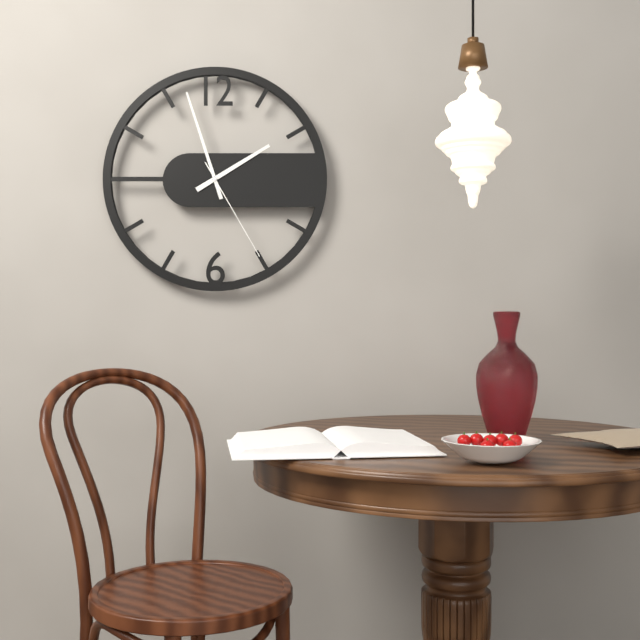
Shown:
1 h 57 min 25 s
